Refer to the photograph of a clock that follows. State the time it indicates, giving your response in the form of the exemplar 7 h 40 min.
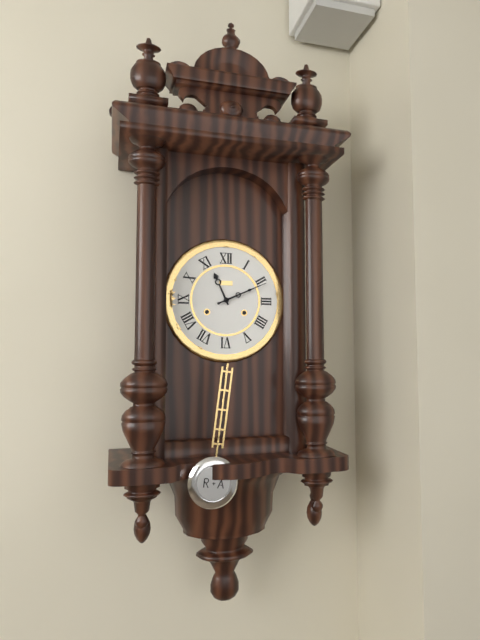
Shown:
11 h 11 min
